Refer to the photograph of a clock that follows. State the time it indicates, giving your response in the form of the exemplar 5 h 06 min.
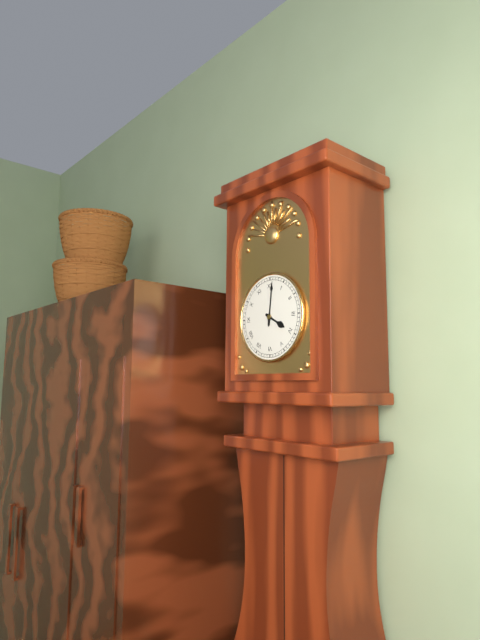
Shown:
4 h 01 min
